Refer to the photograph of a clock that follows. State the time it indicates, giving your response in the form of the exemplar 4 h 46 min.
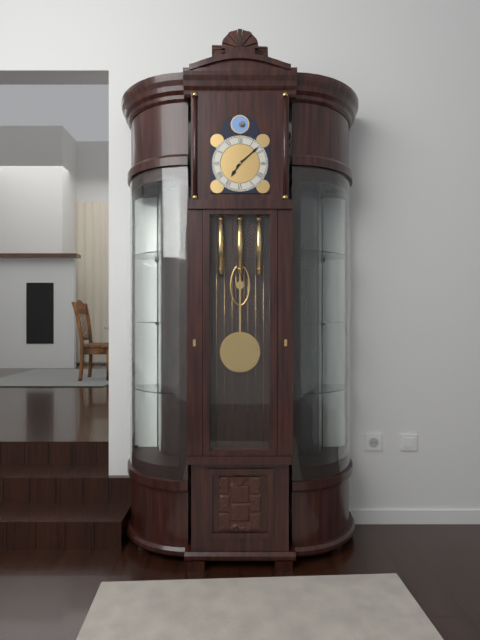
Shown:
7 h 08 min
